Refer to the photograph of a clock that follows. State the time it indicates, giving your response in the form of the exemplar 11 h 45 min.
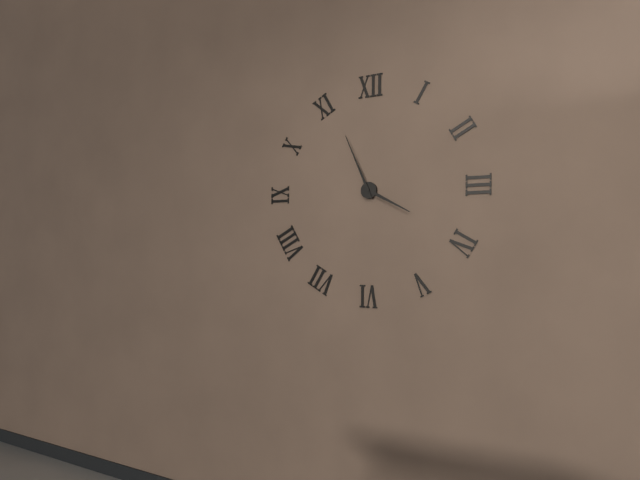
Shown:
3 h 56 min
